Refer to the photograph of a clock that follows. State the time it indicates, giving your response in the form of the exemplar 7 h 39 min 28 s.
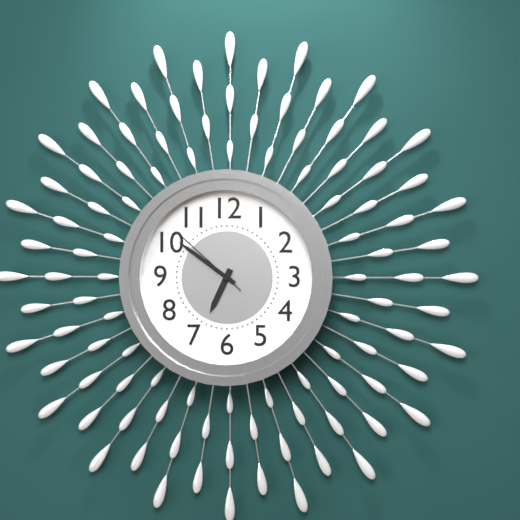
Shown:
6 h 51 min 52 s
